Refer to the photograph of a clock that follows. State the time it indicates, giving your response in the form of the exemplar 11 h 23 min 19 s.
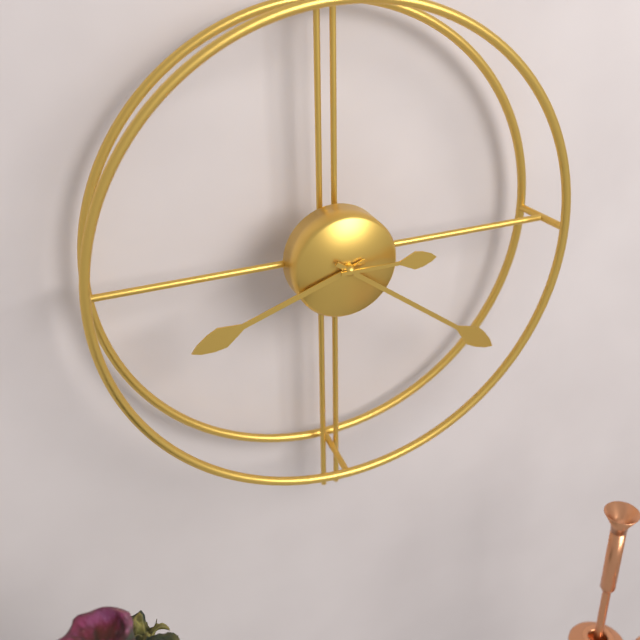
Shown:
8 h 21 min 15 s
